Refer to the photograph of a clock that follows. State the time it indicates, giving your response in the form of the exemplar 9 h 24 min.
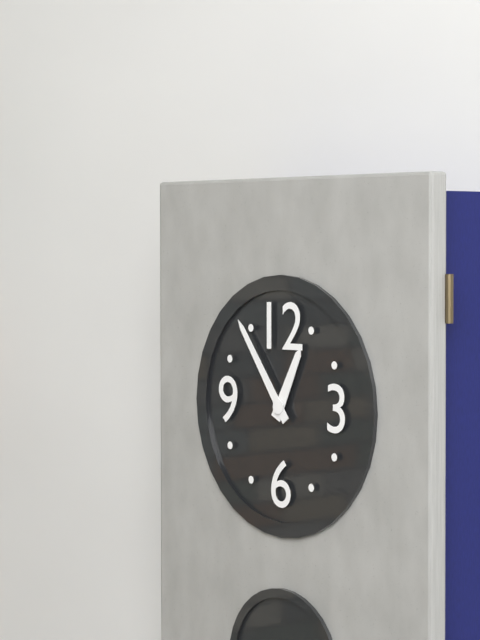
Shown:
12 h 54 min
